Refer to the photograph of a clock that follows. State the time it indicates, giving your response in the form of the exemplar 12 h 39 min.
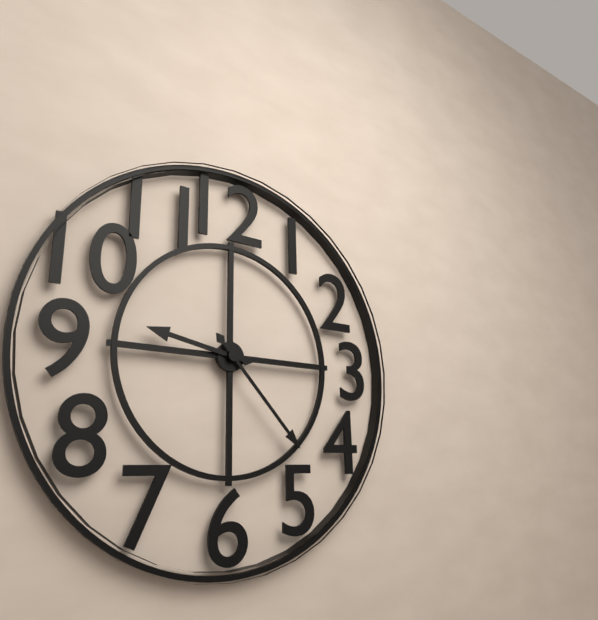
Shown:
9 h 23 min
